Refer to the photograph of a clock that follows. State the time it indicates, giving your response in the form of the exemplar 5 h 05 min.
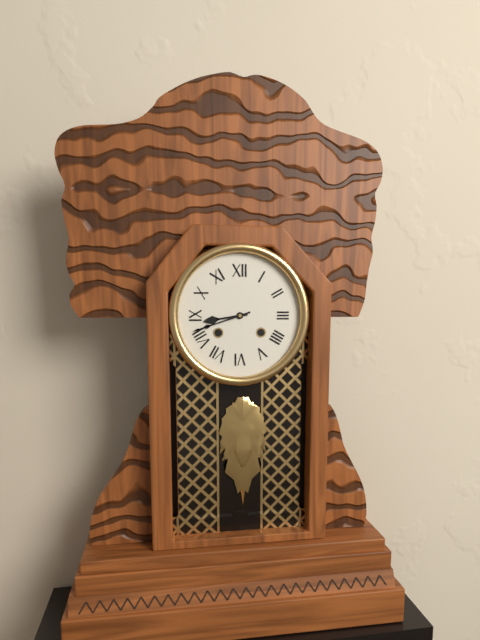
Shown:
8 h 42 min
